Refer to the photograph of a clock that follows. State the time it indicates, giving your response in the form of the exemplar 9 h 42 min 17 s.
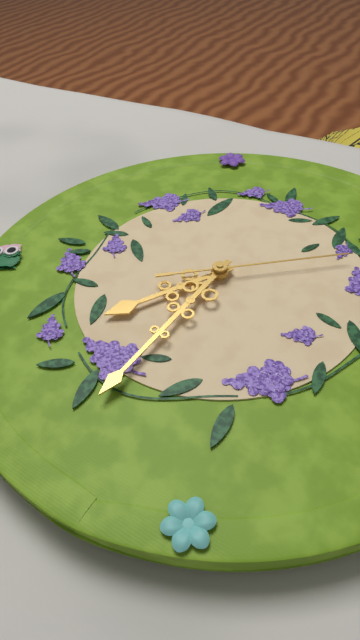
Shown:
7 h 33 min 11 s
